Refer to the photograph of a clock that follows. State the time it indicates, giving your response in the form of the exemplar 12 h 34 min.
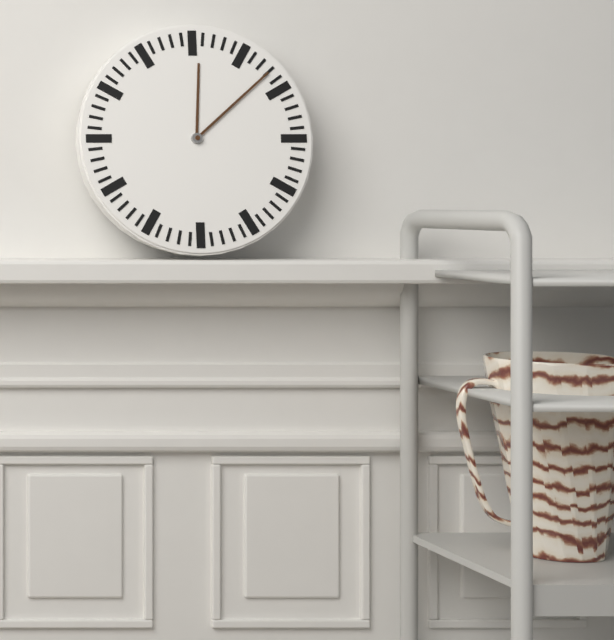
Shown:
12 h 08 min
